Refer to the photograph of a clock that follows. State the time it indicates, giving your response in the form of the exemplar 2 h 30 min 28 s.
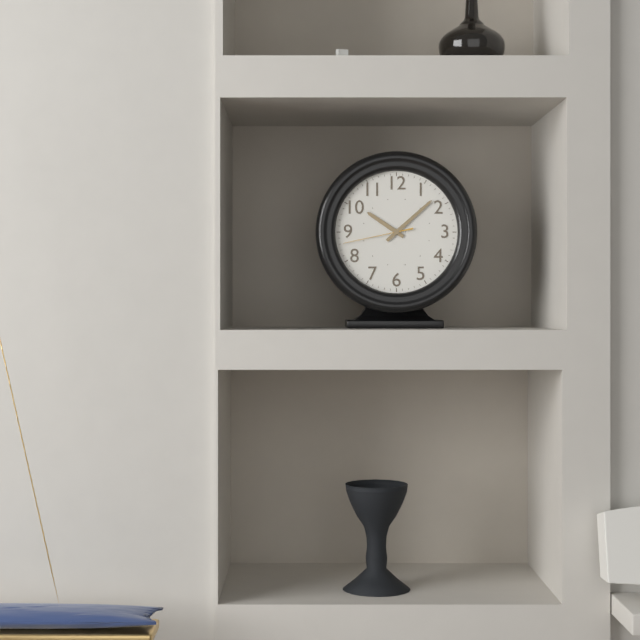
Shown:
10 h 08 min 43 s
